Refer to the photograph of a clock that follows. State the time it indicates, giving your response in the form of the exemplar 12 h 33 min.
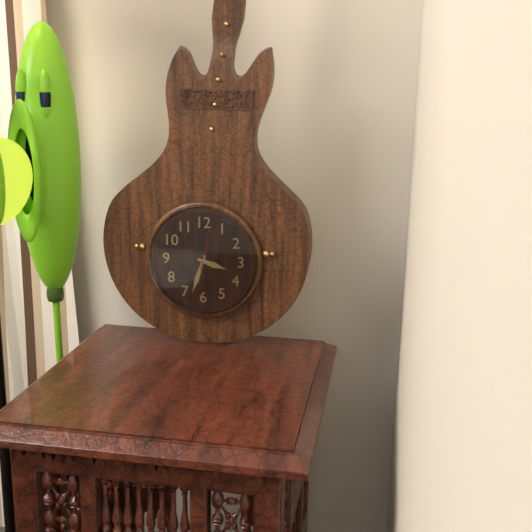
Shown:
3 h 33 min
